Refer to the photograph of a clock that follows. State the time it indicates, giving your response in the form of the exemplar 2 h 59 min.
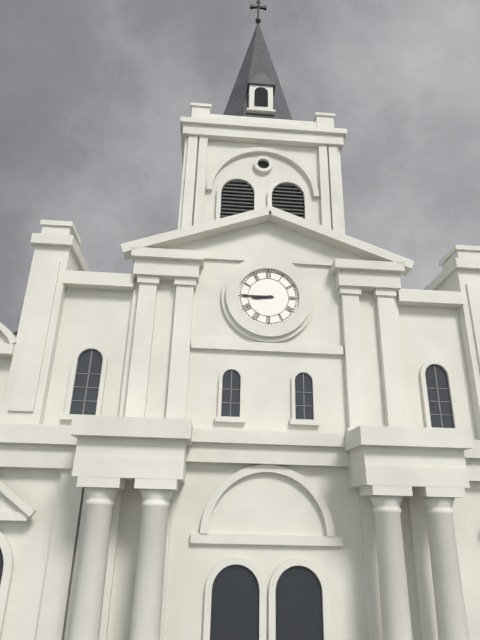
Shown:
8 h 45 min
